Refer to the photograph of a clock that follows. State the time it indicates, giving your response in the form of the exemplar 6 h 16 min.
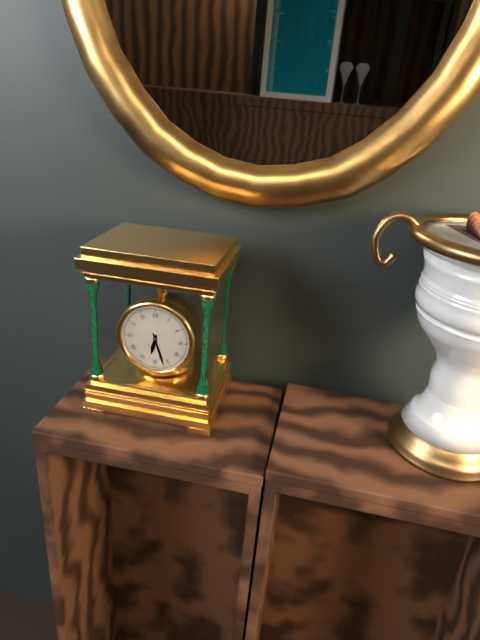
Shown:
6 h 27 min
